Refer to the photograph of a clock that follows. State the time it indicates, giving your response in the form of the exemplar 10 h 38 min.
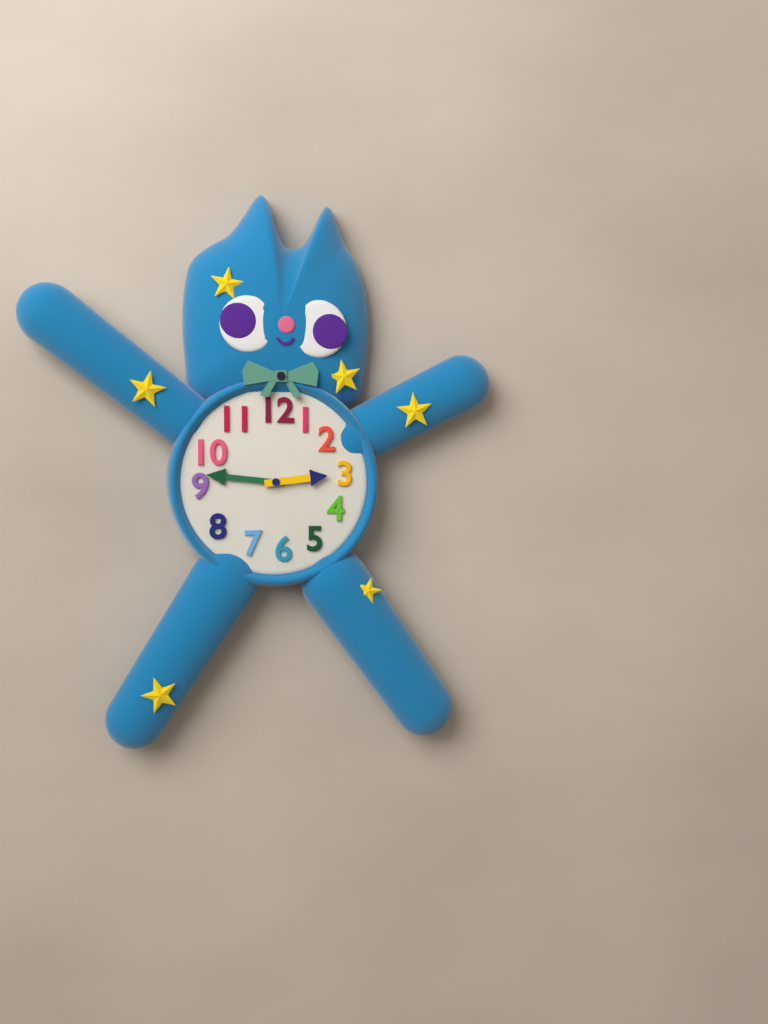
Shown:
2 h 46 min
